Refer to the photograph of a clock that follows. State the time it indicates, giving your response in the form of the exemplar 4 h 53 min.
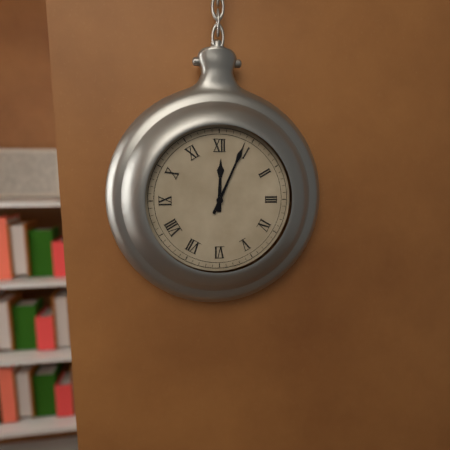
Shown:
12 h 04 min
